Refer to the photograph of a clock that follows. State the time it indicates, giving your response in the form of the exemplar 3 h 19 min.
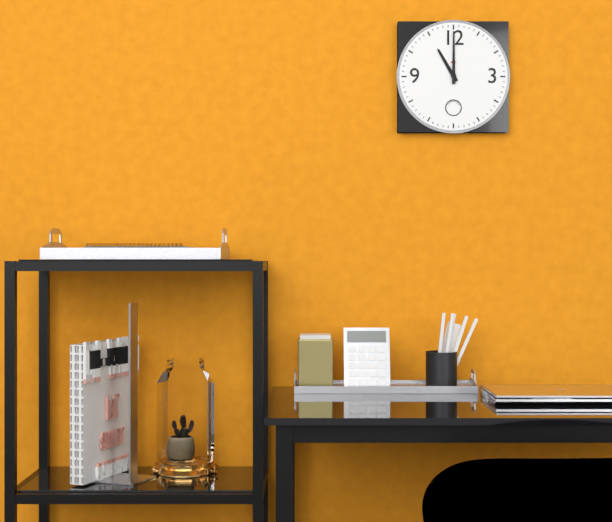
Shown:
11 h 00 min
